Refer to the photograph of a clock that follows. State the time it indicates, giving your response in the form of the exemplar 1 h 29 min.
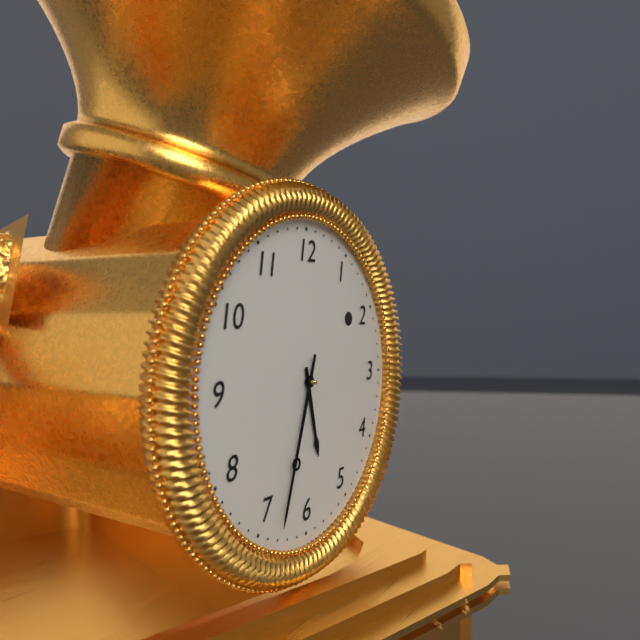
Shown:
5 h 33 min
